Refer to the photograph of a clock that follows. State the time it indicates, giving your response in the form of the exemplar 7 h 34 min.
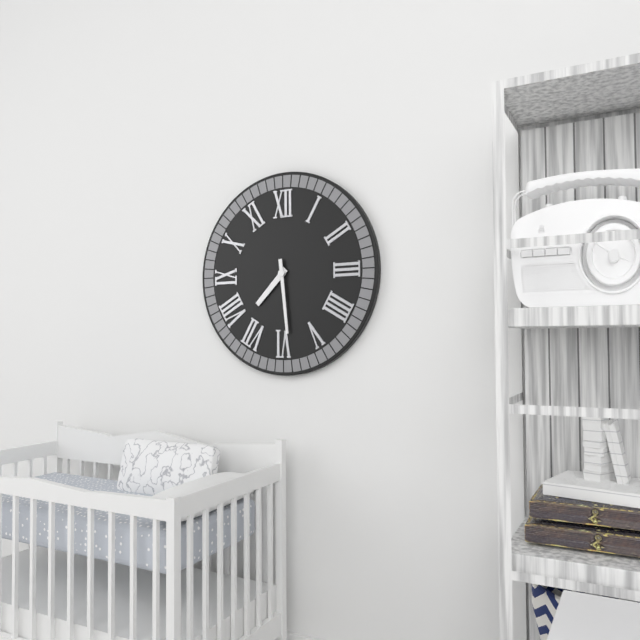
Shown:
7 h 29 min
